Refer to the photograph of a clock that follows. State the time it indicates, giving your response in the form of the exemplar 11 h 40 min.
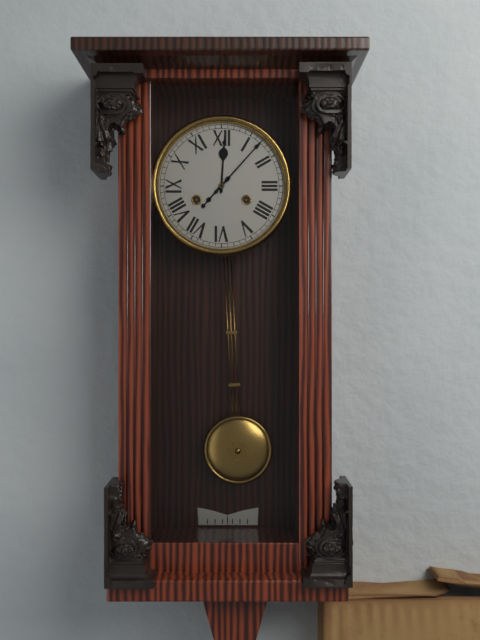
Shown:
12 h 07 min
